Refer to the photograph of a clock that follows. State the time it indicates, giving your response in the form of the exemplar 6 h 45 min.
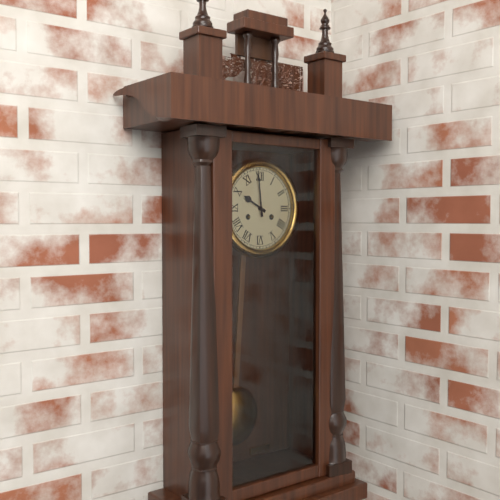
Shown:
9 h 59 min
